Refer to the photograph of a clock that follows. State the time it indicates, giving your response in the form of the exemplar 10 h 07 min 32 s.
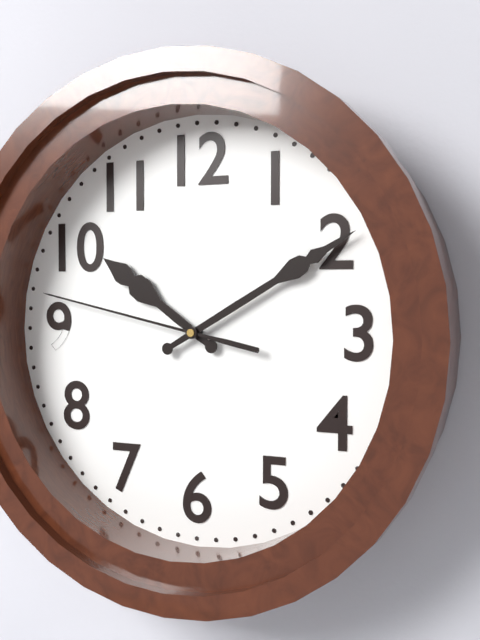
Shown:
10 h 10 min 47 s
